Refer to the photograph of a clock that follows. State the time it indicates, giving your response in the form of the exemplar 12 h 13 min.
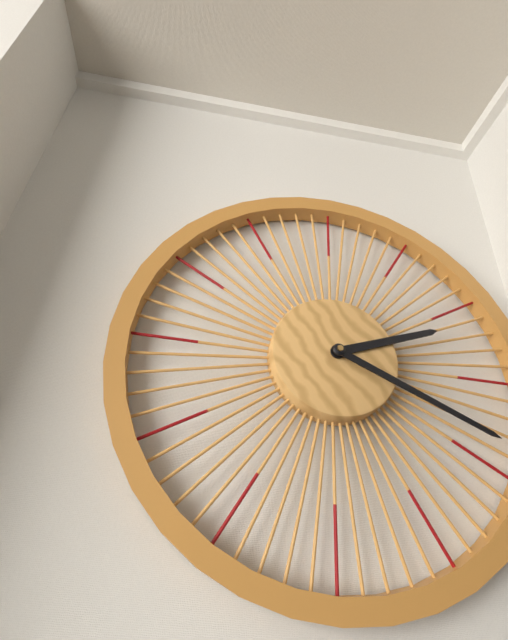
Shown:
2 h 19 min
